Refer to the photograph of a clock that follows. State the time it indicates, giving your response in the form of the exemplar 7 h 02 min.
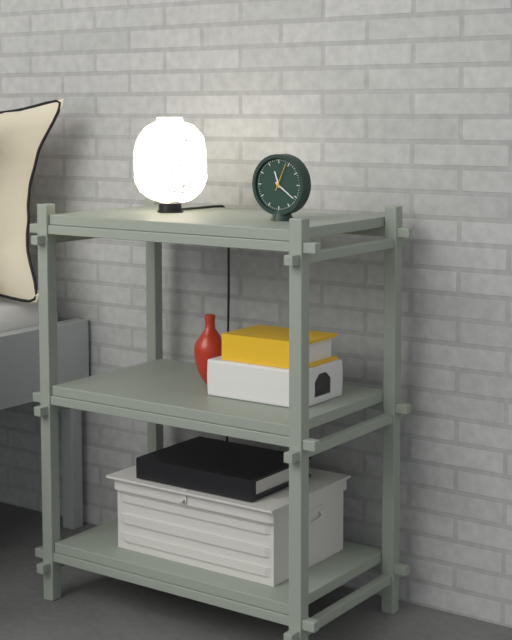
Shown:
11 h 21 min
